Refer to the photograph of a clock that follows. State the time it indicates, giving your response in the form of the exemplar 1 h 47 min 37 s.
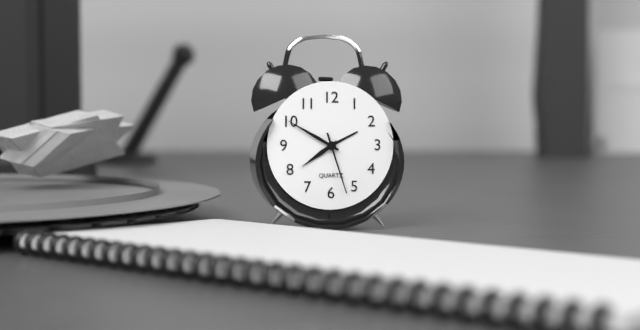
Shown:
7 h 50 min 27 s
